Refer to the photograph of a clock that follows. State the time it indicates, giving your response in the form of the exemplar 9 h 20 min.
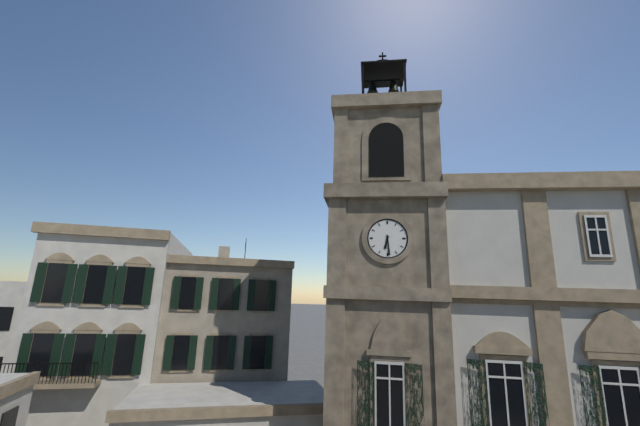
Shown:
6 h 29 min
